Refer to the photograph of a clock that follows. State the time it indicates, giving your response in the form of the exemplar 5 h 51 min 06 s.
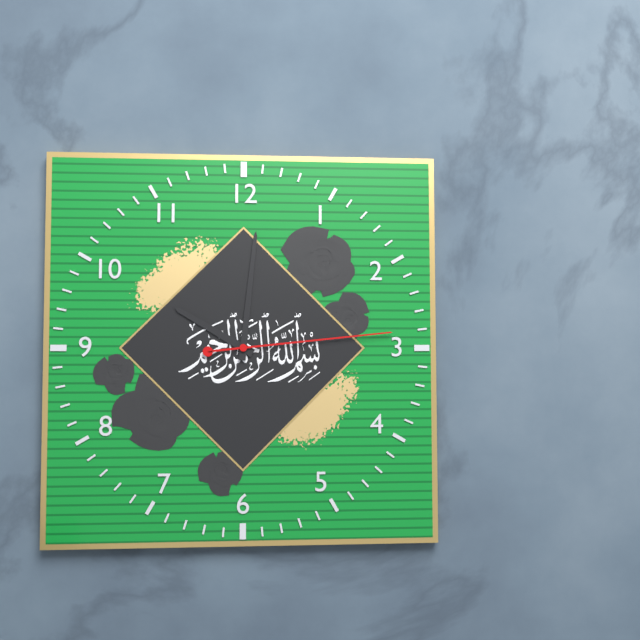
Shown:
10 h 01 min 14 s
